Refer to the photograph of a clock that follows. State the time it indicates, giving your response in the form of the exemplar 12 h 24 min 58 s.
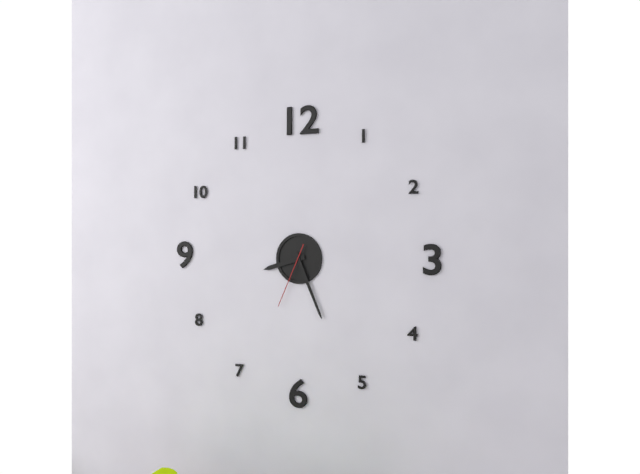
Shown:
8 h 26 min 34 s
